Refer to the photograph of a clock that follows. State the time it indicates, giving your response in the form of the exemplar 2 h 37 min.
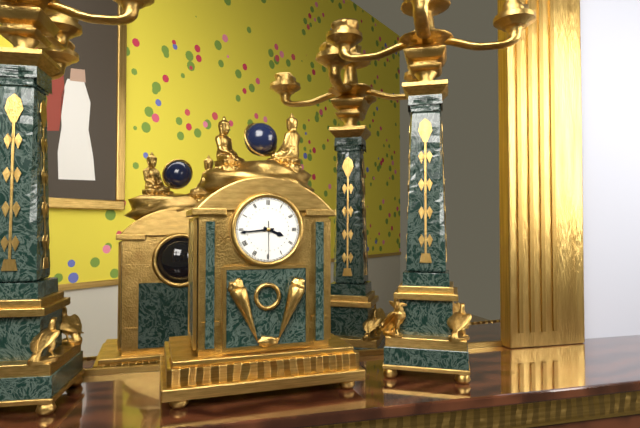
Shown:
3 h 44 min
